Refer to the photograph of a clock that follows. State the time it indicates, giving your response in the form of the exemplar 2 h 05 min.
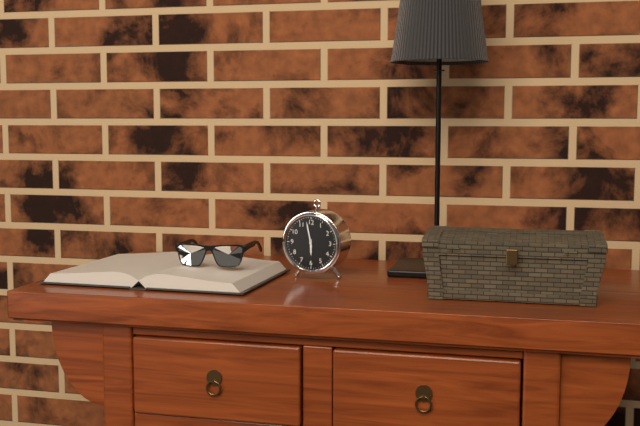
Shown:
5 h 58 min
